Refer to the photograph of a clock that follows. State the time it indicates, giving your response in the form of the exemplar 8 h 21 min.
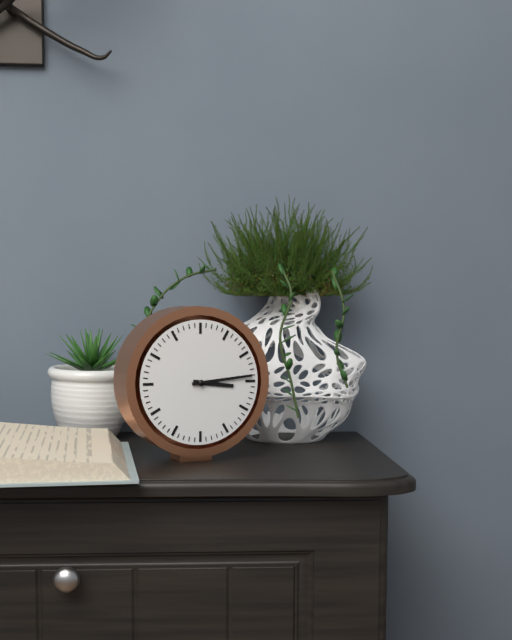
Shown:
3 h 14 min
